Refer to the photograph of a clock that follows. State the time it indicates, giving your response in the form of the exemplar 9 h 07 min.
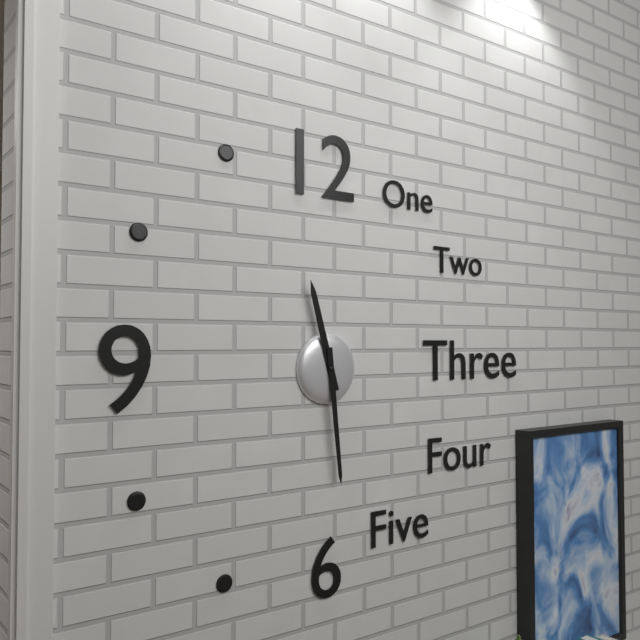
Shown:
11 h 29 min
